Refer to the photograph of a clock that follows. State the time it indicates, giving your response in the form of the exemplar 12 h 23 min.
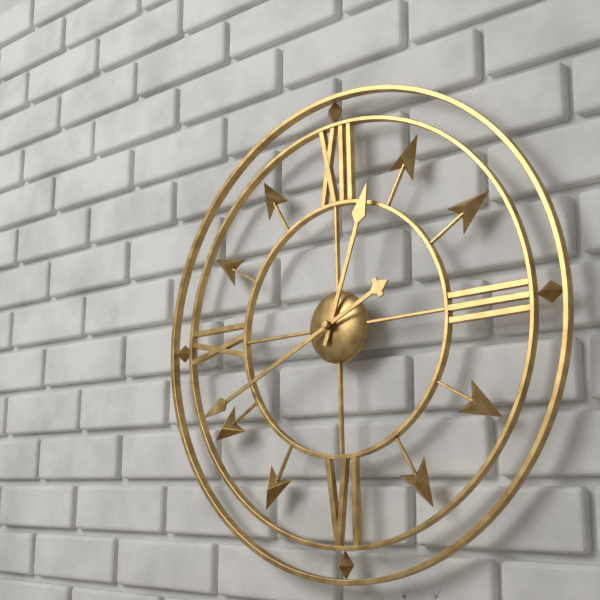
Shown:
12 h 41 min
